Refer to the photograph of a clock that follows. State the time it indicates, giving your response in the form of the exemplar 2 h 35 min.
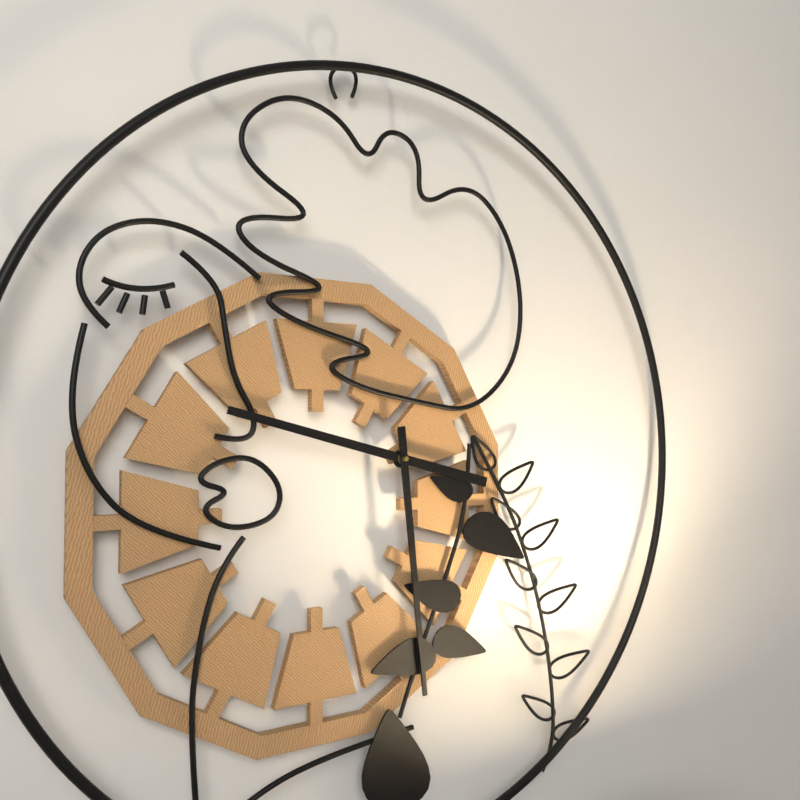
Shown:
9 h 29 min
